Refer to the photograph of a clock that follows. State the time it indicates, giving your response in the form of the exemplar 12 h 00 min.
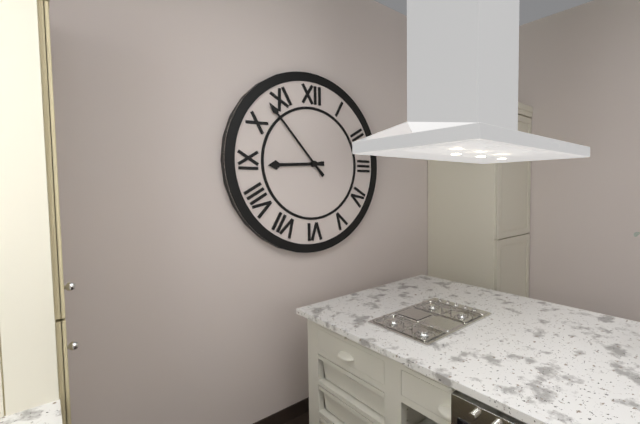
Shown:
8 h 53 min
